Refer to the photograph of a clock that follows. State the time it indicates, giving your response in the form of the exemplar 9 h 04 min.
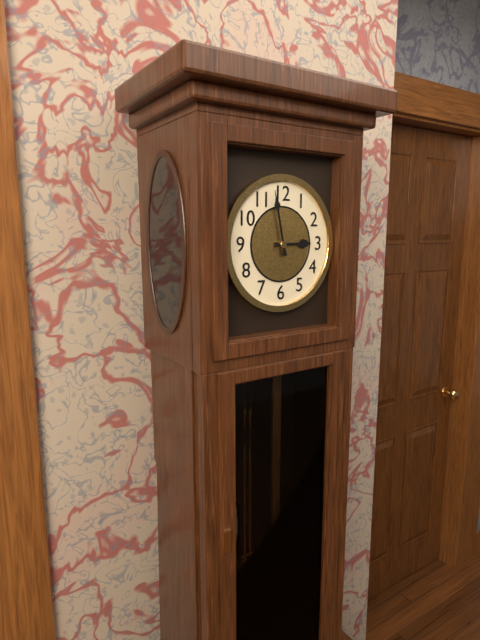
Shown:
2 h 58 min
